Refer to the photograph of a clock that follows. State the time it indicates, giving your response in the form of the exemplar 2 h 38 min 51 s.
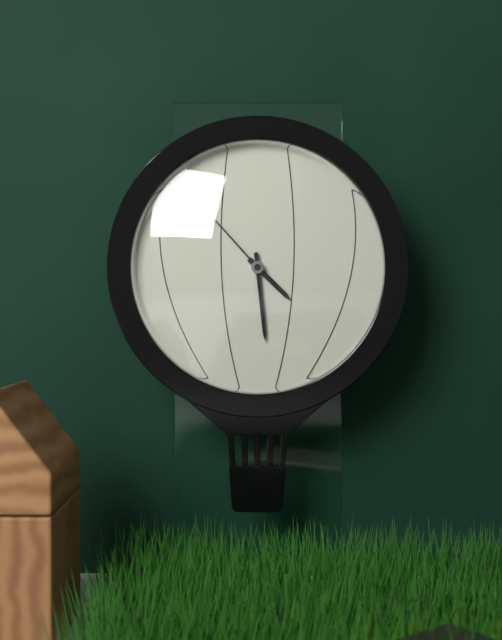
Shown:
4 h 29 min 53 s
